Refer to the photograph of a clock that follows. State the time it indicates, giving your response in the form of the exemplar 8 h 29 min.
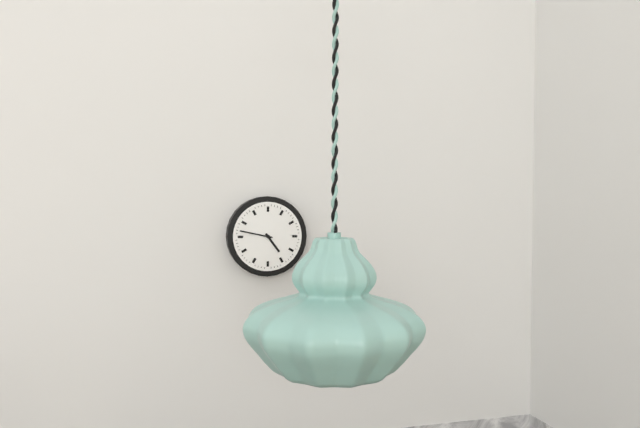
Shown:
4 h 47 min
